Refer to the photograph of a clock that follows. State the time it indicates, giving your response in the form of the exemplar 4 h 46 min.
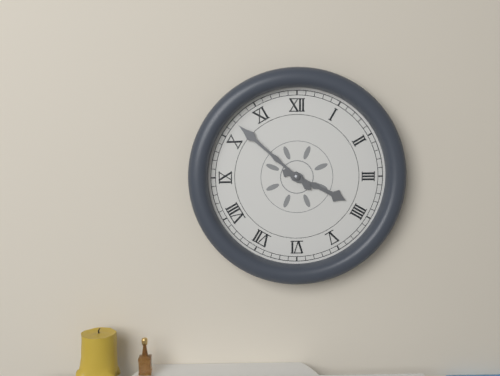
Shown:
3 h 52 min
